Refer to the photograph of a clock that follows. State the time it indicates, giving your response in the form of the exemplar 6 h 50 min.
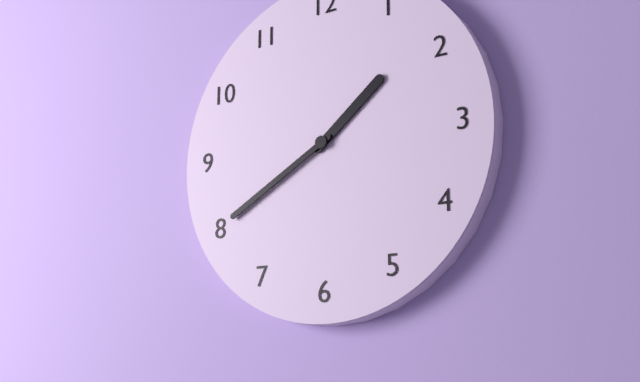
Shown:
1 h 40 min
